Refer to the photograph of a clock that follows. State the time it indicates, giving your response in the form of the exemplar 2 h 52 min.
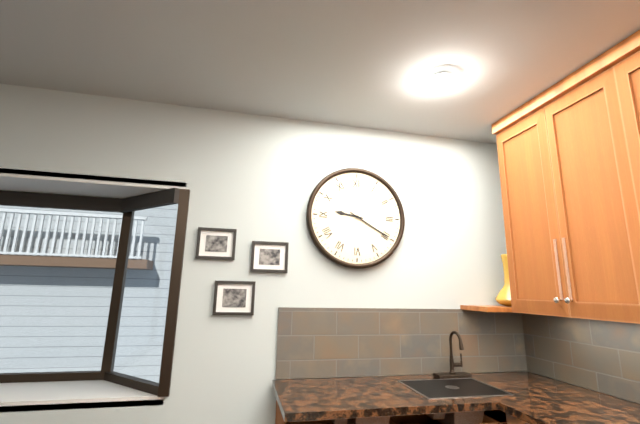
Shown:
9 h 20 min
